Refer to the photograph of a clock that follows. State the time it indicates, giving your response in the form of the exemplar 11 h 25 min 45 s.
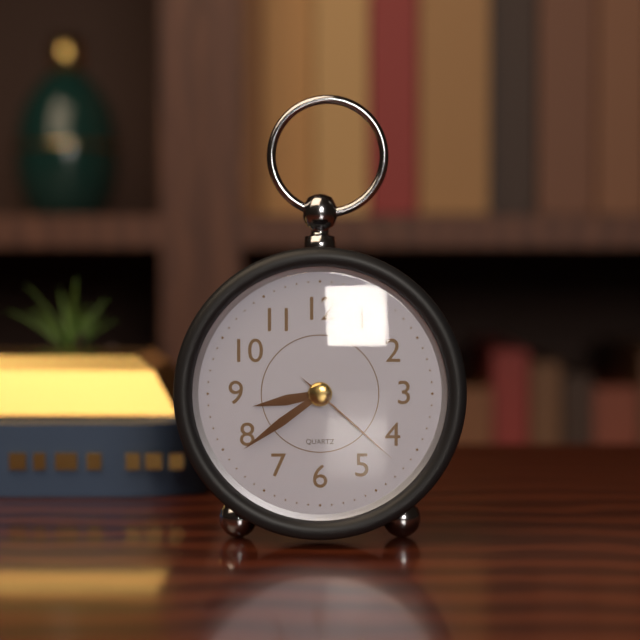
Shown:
8 h 39 min 22 s
